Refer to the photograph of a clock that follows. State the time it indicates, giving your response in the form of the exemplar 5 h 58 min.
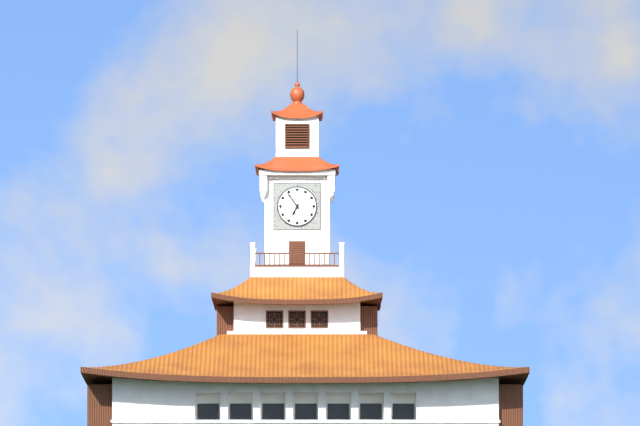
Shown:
6 h 54 min
